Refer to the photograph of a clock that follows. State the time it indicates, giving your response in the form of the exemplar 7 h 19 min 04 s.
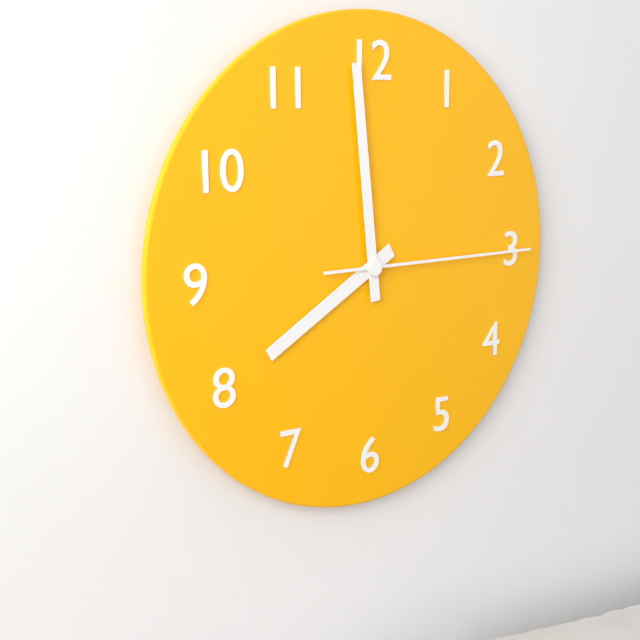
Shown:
7 h 59 min 15 s
